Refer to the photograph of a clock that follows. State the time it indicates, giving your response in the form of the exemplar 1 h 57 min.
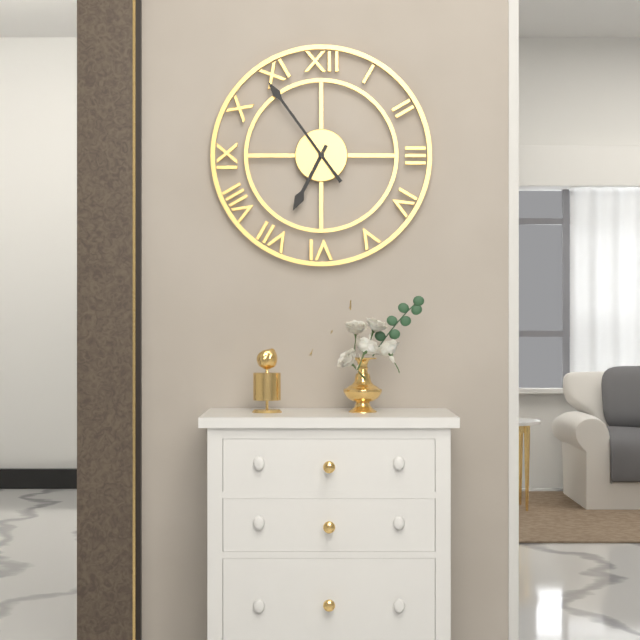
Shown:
6 h 54 min
